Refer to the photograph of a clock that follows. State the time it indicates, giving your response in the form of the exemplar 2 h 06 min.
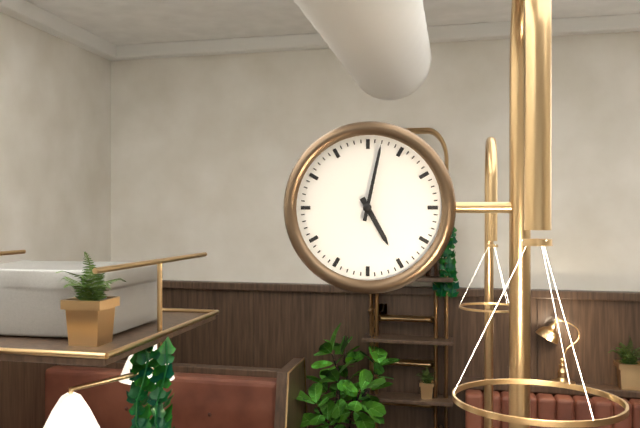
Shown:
5 h 02 min
